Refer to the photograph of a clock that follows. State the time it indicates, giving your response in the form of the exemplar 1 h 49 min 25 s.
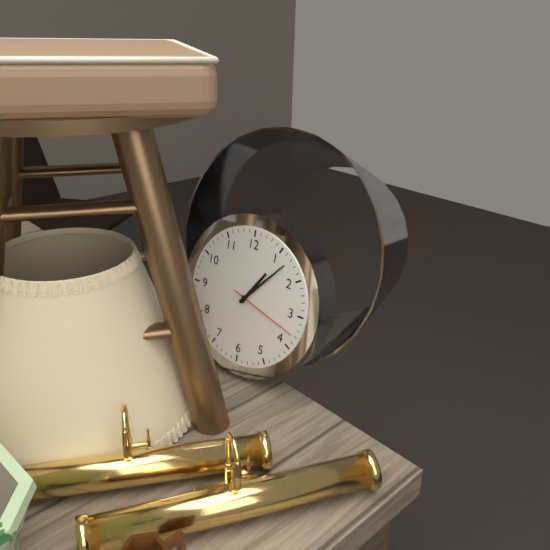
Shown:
1 h 07 min 18 s
